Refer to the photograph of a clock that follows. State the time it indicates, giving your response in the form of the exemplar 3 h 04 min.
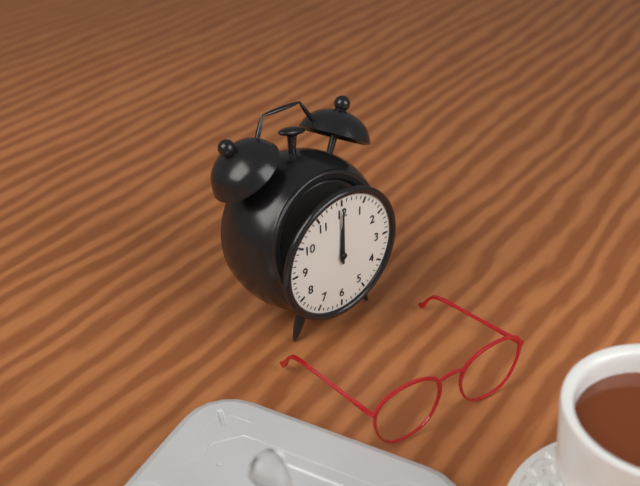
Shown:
12 h 00 min
